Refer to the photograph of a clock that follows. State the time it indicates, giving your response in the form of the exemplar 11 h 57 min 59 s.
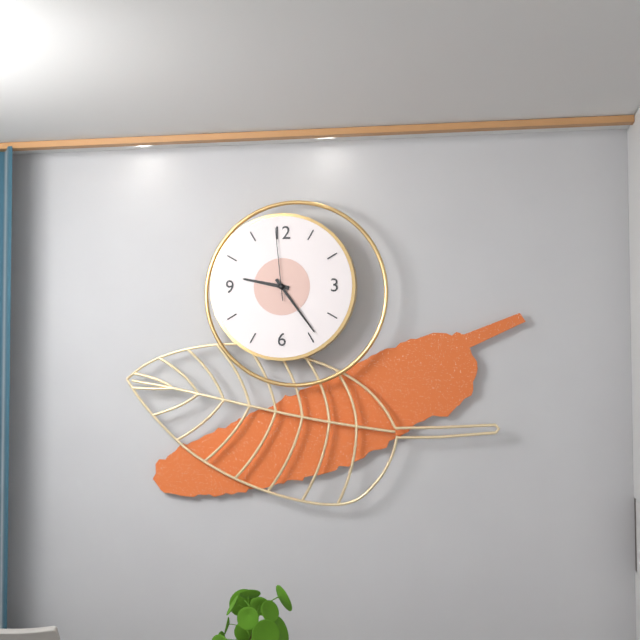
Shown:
9 h 24 min 59 s
